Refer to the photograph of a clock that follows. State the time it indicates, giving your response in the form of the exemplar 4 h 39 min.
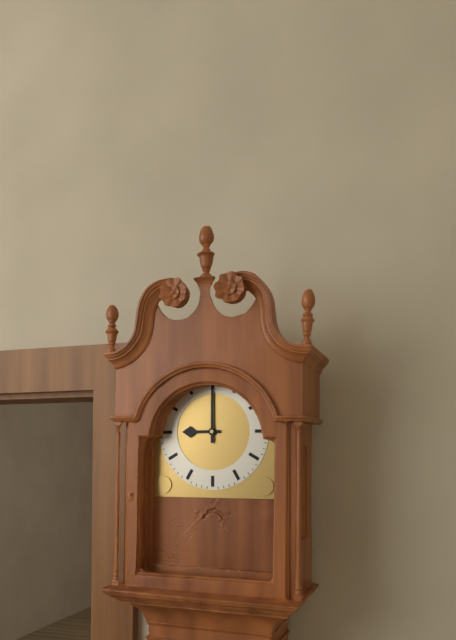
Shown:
9 h 00 min
